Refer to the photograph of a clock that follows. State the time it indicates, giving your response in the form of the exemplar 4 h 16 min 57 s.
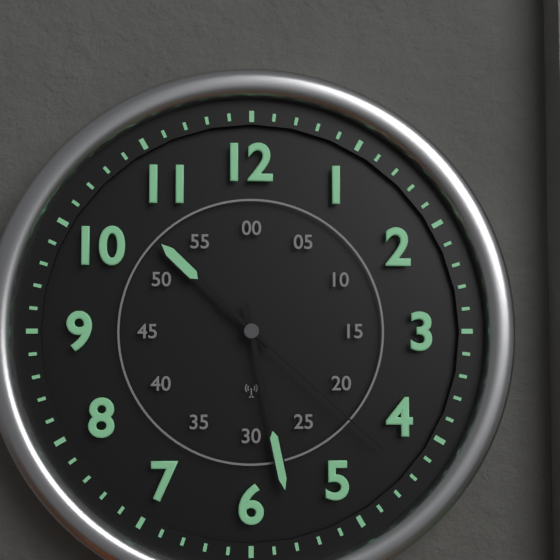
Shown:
10 h 28 min 22 s
